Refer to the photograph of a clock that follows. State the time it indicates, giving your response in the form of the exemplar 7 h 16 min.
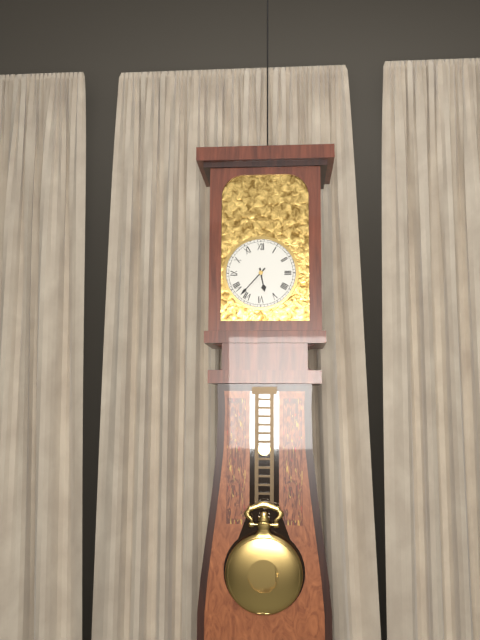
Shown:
5 h 37 min
